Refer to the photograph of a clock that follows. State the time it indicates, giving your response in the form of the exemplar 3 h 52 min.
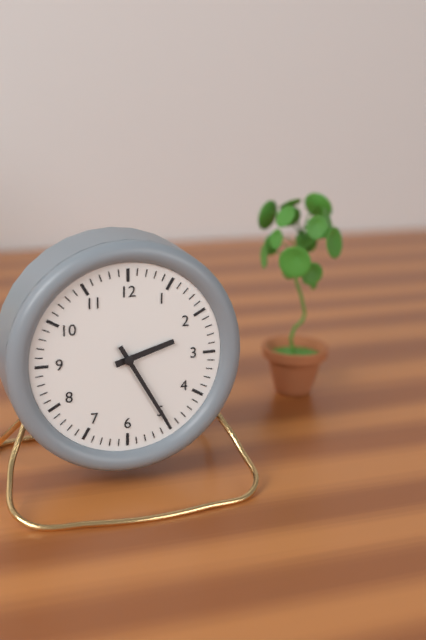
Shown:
2 h 25 min
